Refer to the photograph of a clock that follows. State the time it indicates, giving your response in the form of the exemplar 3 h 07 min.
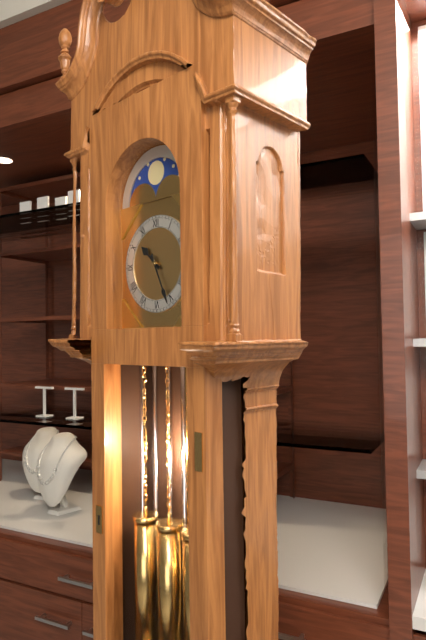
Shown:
10 h 26 min
